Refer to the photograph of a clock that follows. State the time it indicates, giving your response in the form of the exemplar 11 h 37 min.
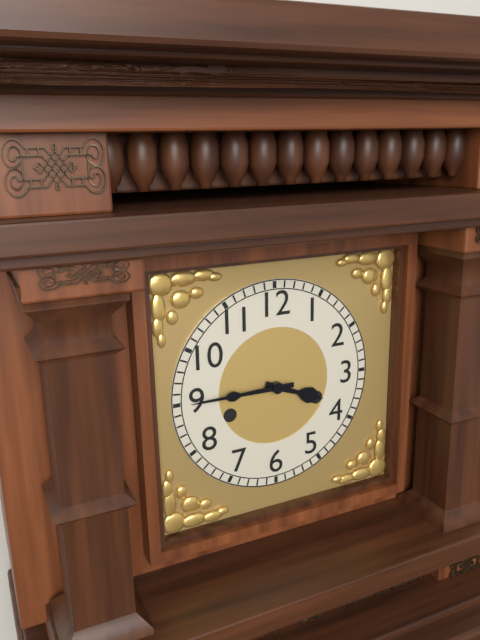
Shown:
3 h 45 min
